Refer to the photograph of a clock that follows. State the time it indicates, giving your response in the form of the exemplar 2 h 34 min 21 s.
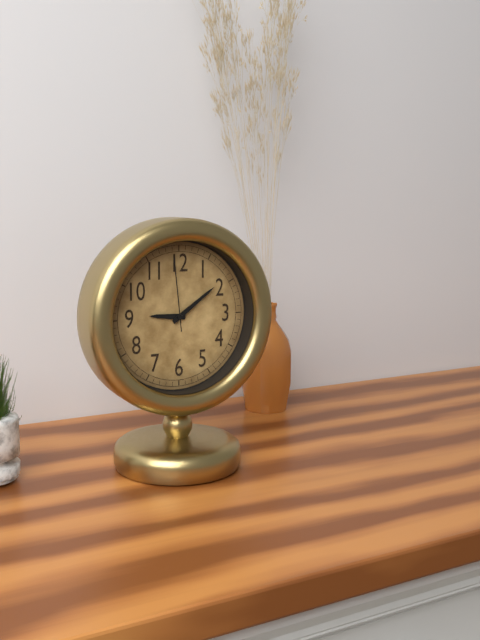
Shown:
9 h 09 min 59 s
